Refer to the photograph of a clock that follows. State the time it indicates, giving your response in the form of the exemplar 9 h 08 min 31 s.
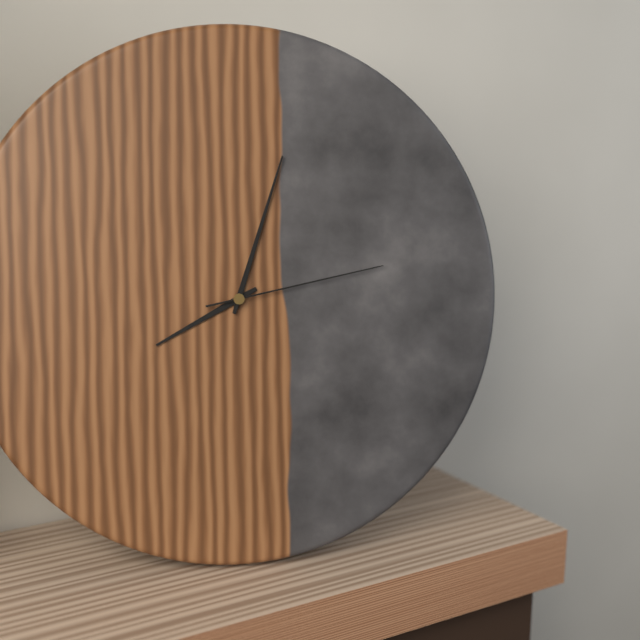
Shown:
8 h 03 min 13 s
